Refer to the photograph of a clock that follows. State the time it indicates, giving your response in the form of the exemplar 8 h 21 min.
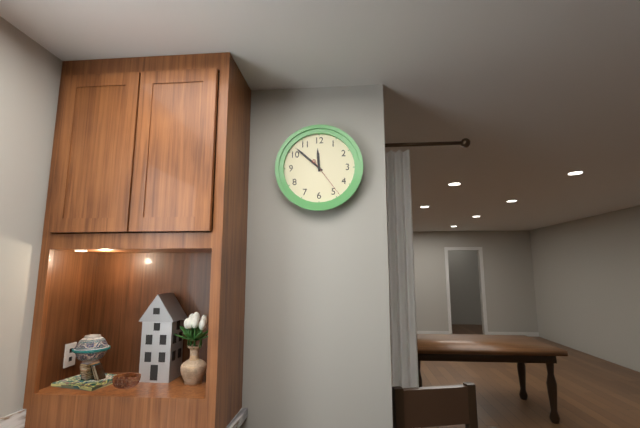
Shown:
11 h 52 min
